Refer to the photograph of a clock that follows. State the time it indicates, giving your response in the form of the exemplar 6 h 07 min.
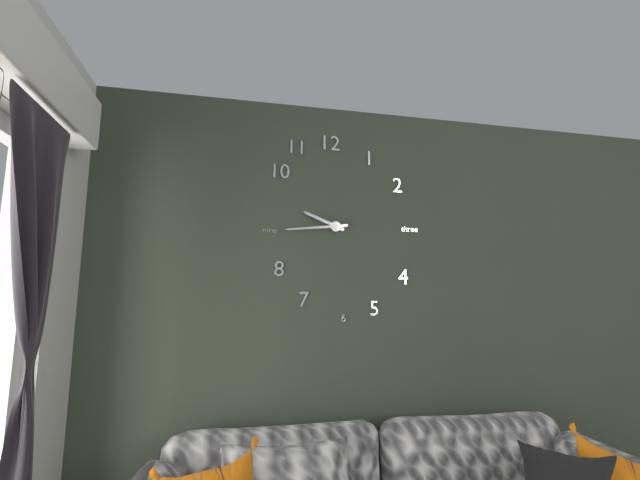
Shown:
9 h 44 min
